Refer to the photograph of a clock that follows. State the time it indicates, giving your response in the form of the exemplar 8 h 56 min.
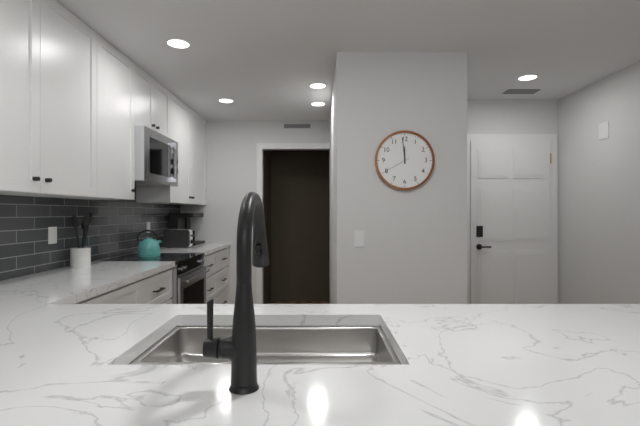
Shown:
11 h 59 min
